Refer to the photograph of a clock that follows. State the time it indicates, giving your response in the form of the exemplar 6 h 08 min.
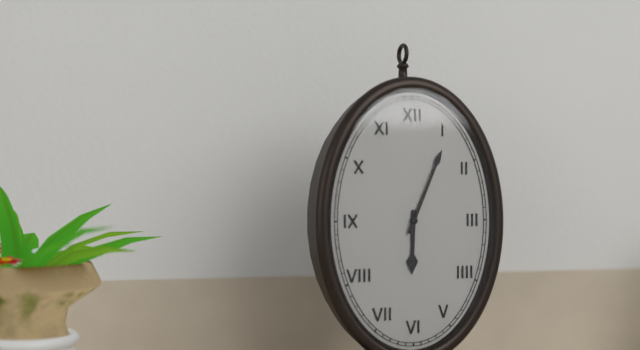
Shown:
6 h 04 min
